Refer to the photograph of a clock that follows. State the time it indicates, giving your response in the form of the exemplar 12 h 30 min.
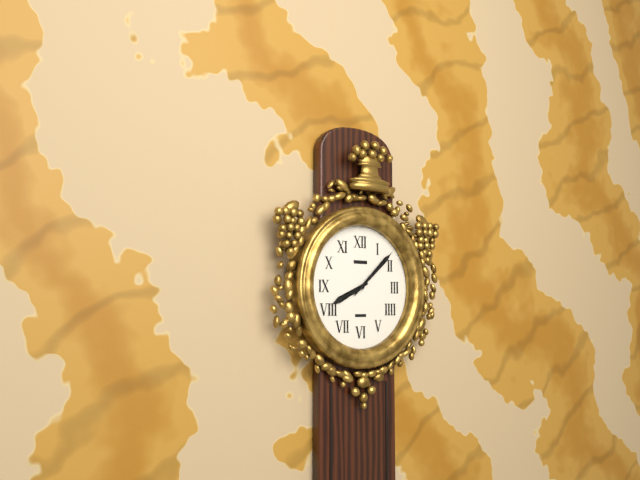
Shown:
8 h 08 min
